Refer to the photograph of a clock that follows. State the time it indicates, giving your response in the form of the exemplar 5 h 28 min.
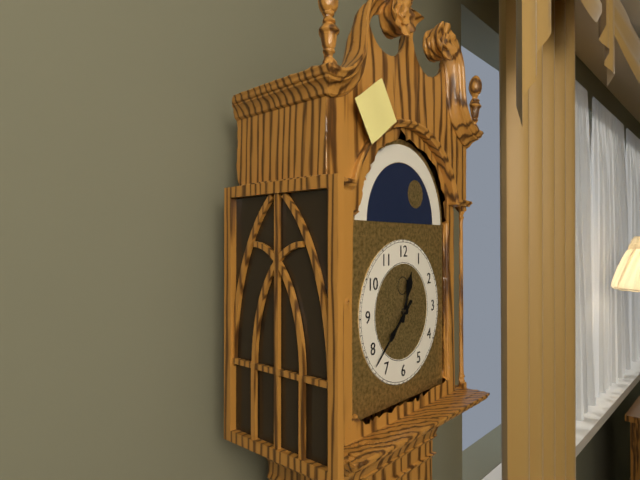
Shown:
12 h 38 min
